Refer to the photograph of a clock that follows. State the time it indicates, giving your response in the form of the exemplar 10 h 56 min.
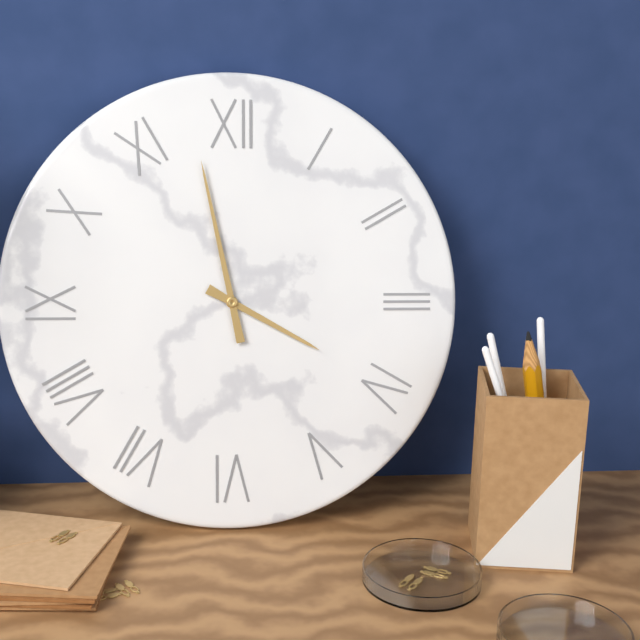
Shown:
3 h 58 min
